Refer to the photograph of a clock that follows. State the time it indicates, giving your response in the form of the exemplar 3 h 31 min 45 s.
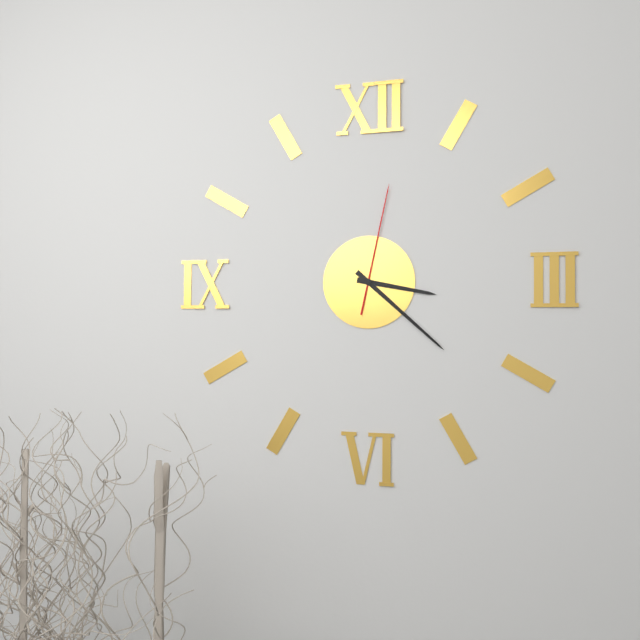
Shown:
3 h 22 min 02 s
